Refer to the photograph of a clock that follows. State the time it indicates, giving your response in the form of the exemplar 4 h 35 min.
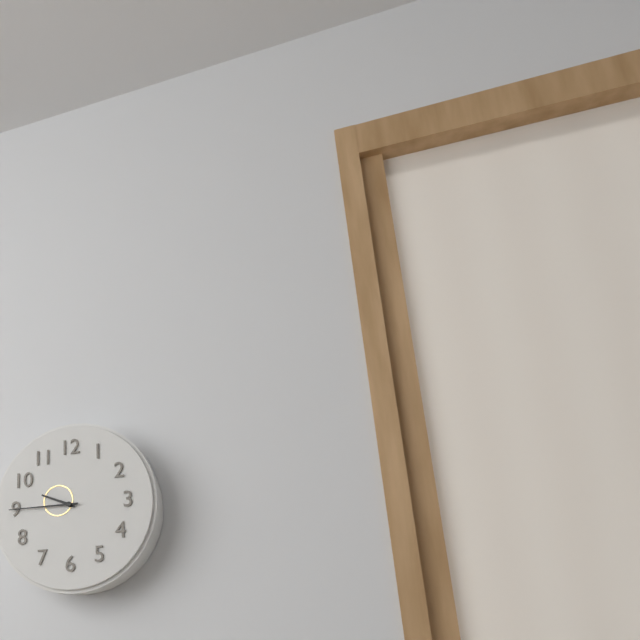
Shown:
9 h 45 min
